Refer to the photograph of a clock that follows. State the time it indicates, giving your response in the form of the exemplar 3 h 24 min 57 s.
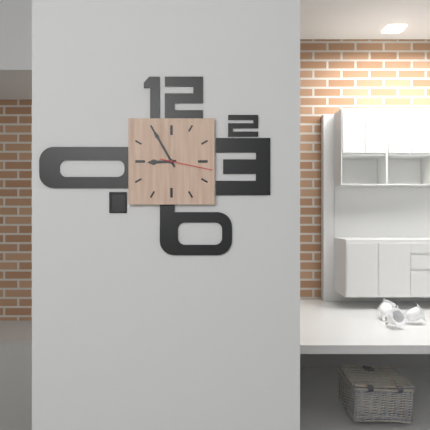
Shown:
8 h 55 min 17 s
